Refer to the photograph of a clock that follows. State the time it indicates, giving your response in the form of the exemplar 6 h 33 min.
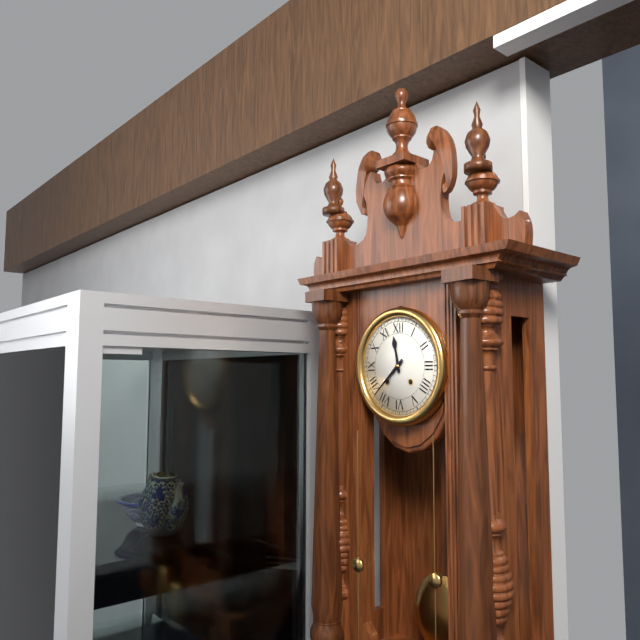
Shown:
11 h 38 min
